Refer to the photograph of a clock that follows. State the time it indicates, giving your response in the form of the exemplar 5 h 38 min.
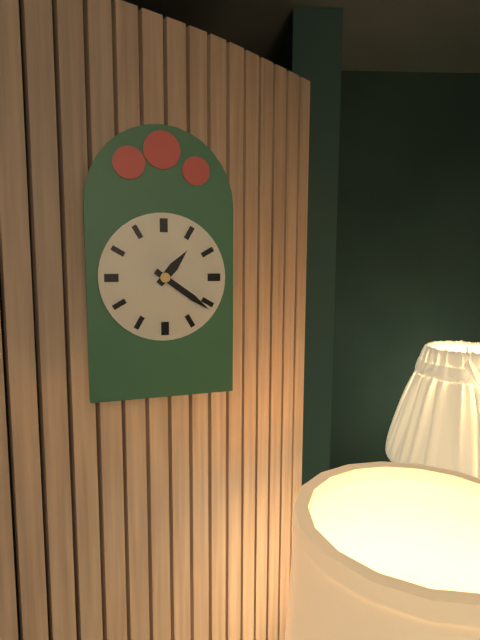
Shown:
1 h 21 min
